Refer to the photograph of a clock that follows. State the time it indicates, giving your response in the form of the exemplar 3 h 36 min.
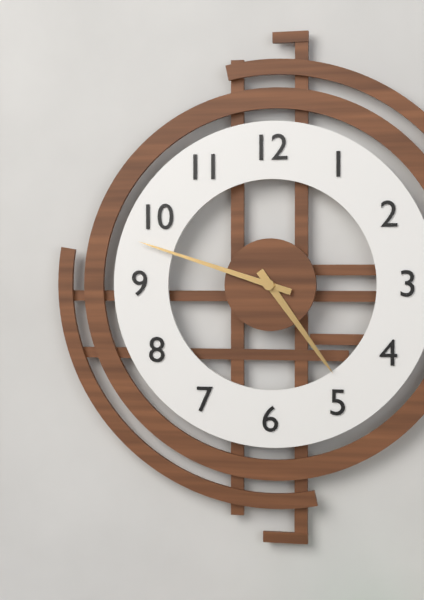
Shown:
4 h 48 min
